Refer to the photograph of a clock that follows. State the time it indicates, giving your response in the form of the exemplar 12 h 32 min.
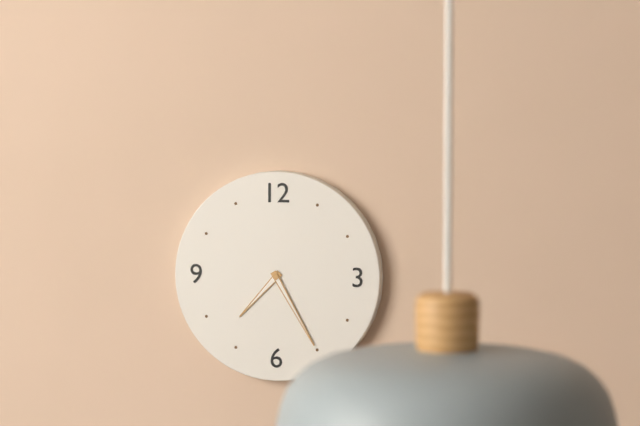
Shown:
7 h 25 min
